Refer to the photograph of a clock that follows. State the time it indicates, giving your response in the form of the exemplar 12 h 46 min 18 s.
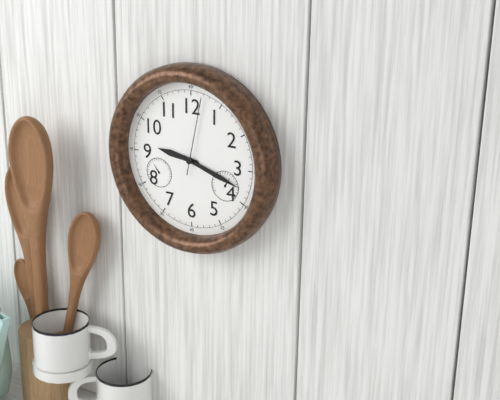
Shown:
9 h 18 min 02 s
